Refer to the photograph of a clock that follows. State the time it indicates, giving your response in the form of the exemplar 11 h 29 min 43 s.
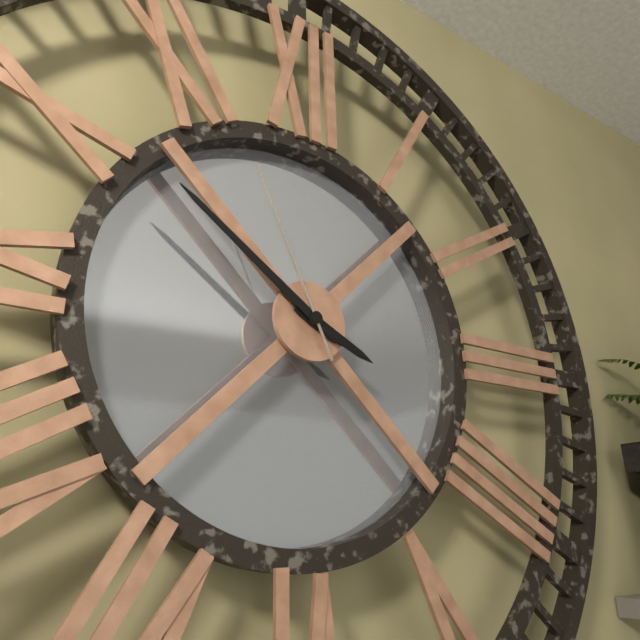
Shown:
3 h 51 min 56 s
